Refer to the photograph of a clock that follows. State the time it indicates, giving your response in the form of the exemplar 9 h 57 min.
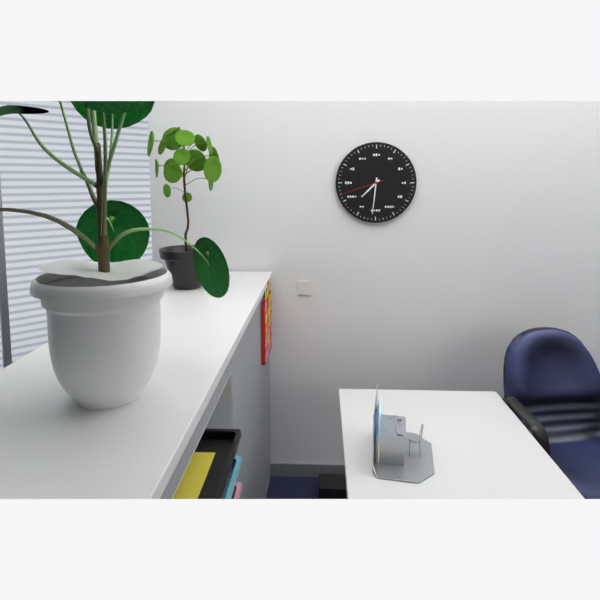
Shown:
7 h 31 min
